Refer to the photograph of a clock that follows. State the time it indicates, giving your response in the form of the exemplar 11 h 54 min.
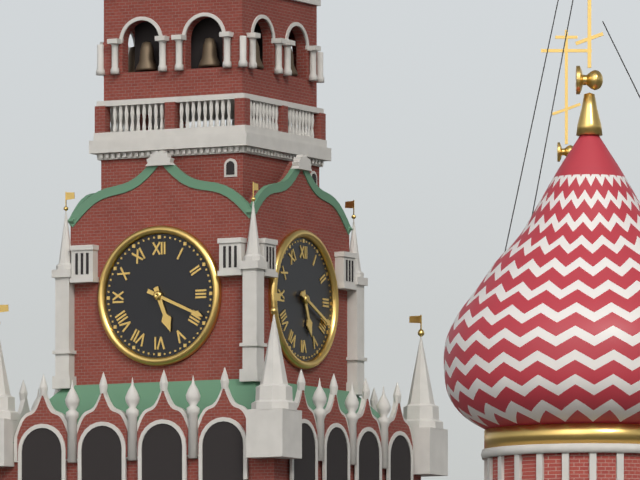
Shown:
5 h 19 min
